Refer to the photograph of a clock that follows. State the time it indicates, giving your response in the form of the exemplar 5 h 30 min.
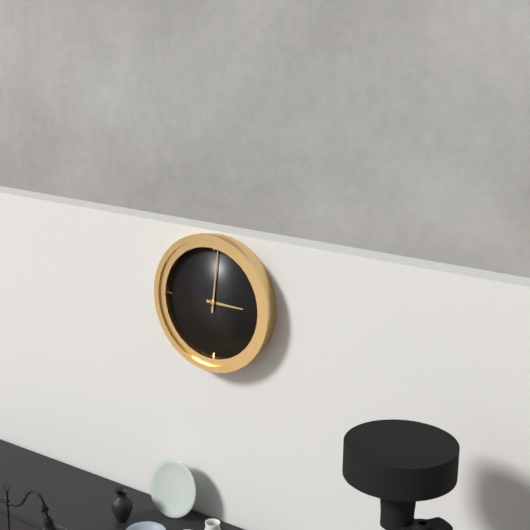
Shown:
3 h 01 min
